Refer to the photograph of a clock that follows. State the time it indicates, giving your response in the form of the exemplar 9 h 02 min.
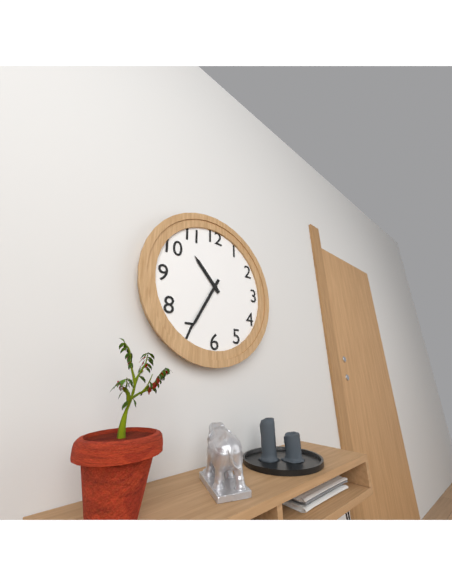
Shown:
10 h 35 min
